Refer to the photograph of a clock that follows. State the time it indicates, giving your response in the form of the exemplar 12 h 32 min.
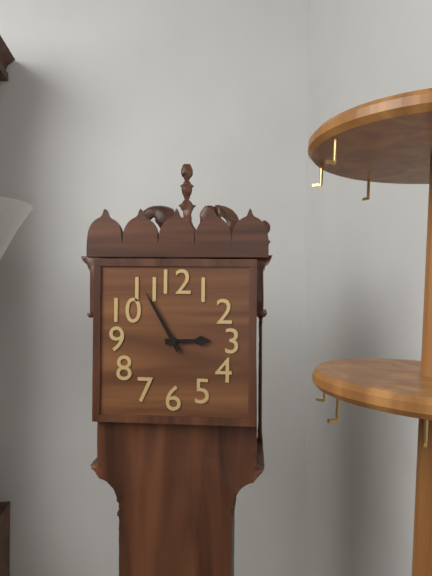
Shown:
2 h 55 min
